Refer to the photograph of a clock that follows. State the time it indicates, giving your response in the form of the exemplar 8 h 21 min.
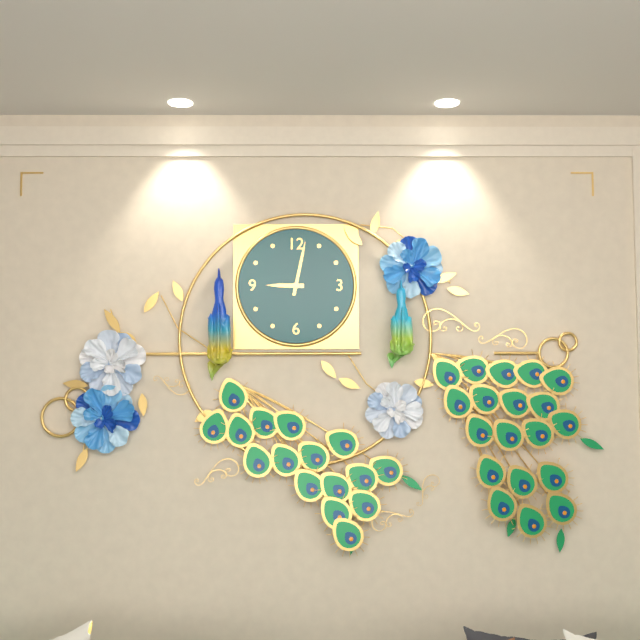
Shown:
9 h 02 min
